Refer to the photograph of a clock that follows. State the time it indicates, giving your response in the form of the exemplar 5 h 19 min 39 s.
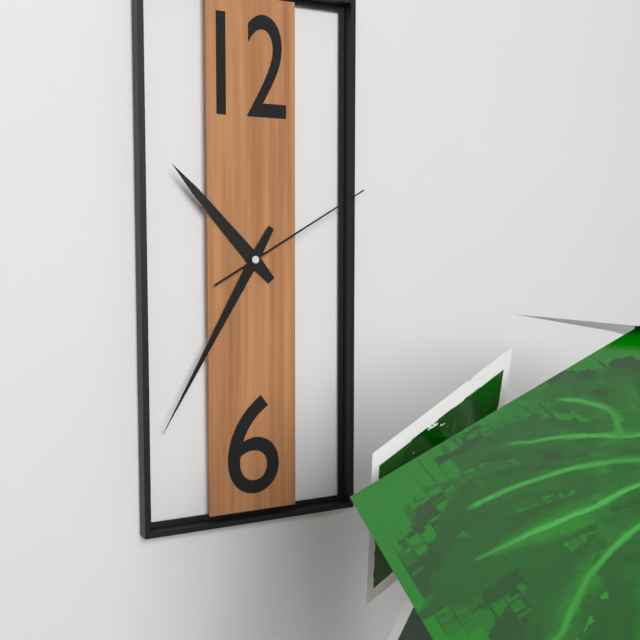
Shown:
10 h 35 min 10 s
